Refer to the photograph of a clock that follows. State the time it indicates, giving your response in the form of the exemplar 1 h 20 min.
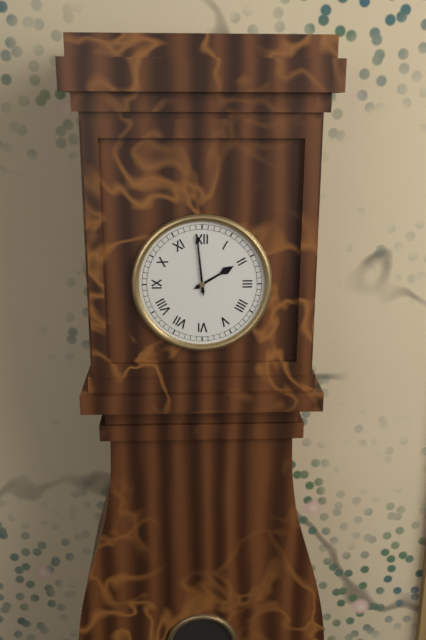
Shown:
1 h 59 min
